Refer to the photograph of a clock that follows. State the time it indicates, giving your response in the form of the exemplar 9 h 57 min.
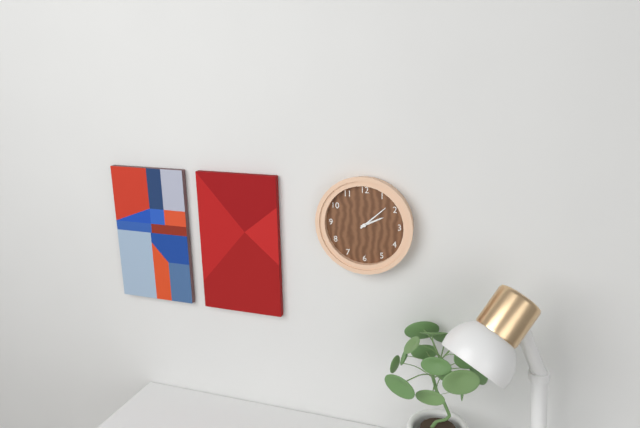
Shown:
2 h 08 min
